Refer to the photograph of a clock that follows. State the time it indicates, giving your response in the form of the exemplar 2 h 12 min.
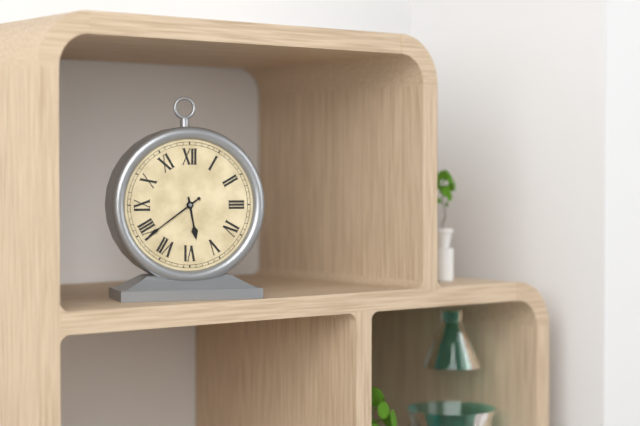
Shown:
5 h 39 min
